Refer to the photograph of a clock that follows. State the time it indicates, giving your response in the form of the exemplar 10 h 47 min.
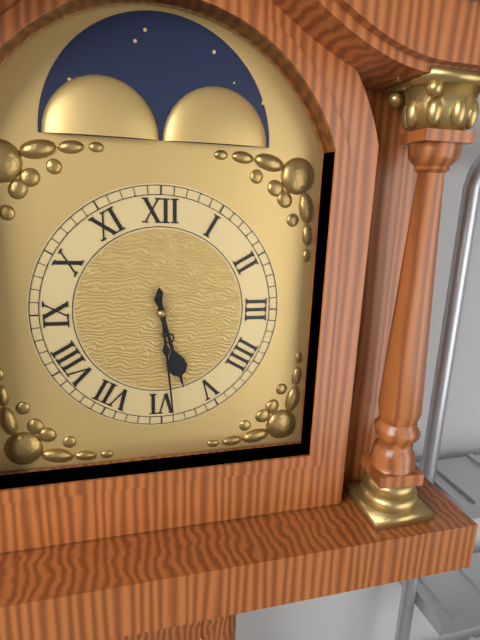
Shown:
5 h 29 min
